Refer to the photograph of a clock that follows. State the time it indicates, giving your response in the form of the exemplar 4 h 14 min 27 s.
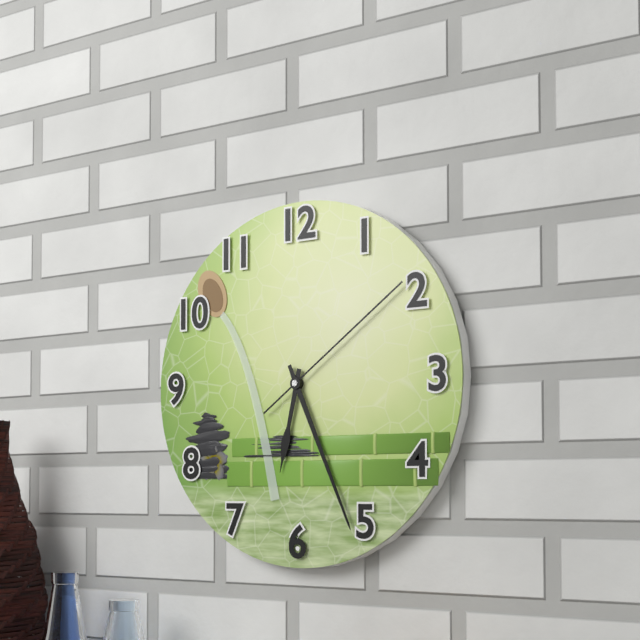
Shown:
6 h 26 min 09 s
